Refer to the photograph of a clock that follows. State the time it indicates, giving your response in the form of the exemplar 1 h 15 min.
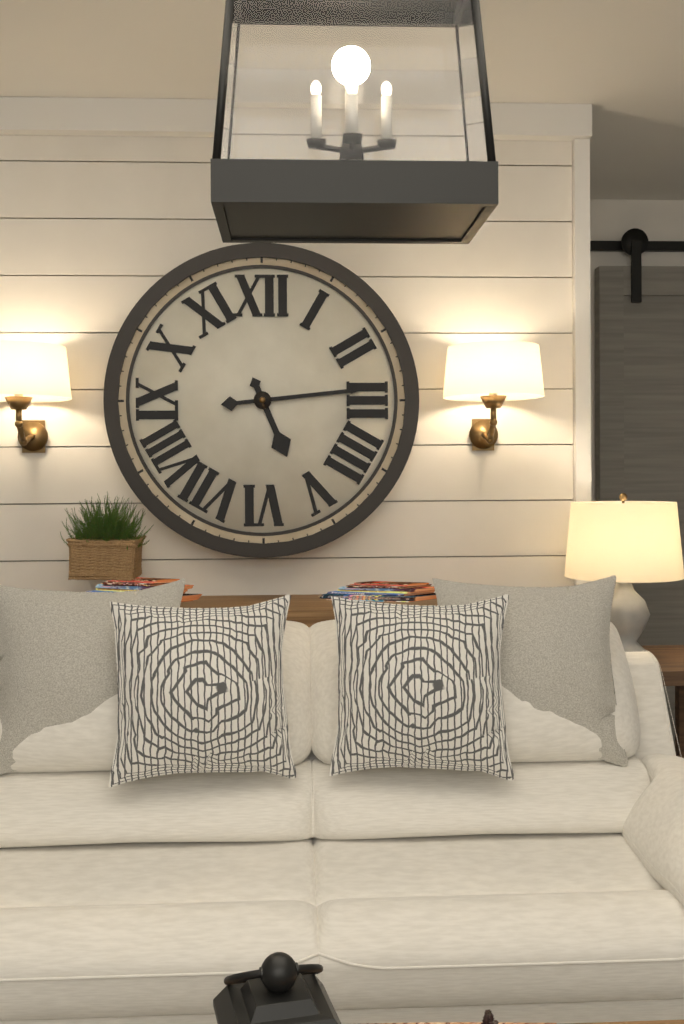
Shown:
5 h 14 min
